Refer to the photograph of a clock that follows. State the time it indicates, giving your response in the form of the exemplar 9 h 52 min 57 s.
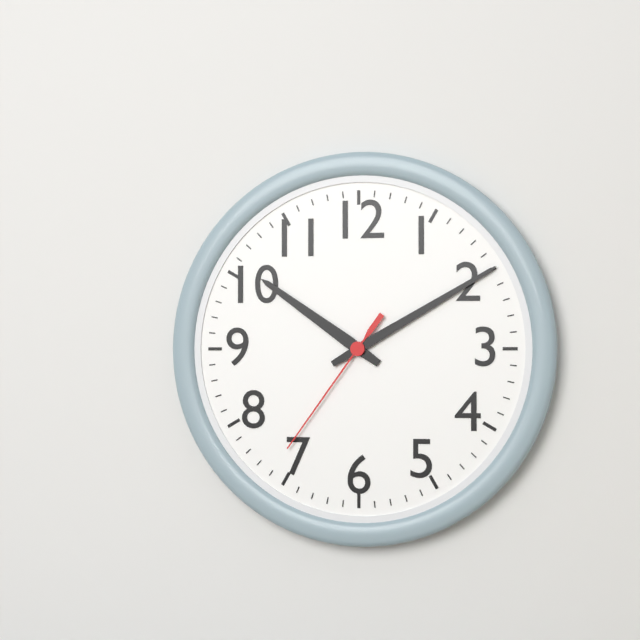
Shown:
10 h 10 min 36 s
